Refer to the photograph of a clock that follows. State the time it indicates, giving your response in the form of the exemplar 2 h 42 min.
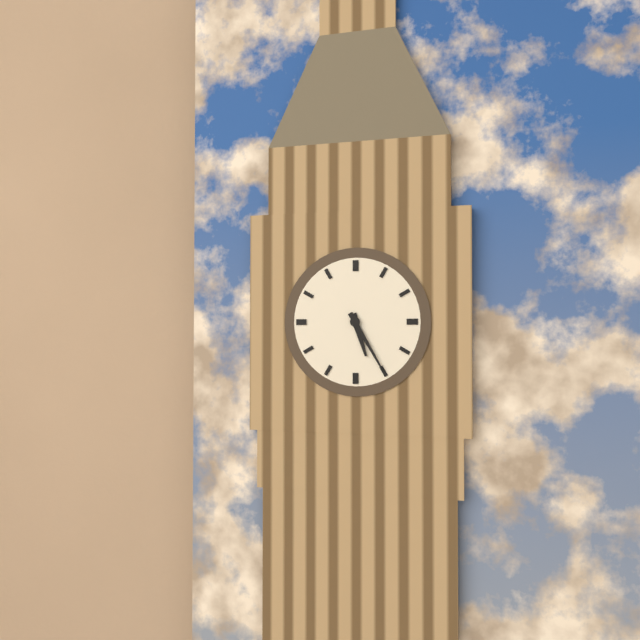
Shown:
5 h 25 min
